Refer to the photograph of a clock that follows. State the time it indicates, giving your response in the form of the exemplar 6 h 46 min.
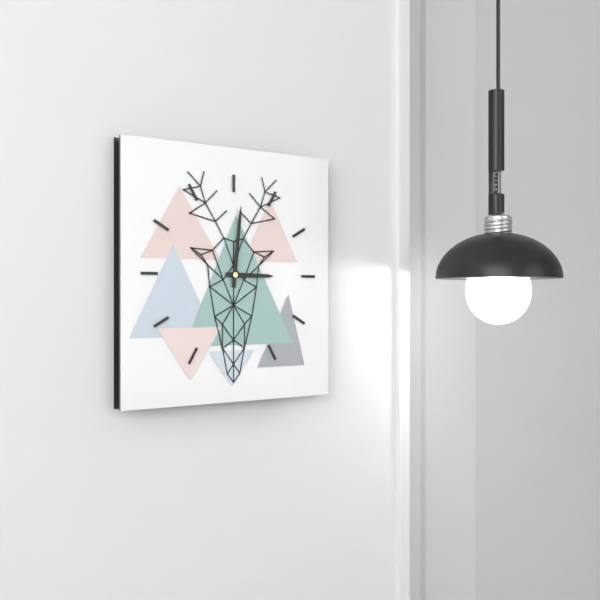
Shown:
3 h 01 min
